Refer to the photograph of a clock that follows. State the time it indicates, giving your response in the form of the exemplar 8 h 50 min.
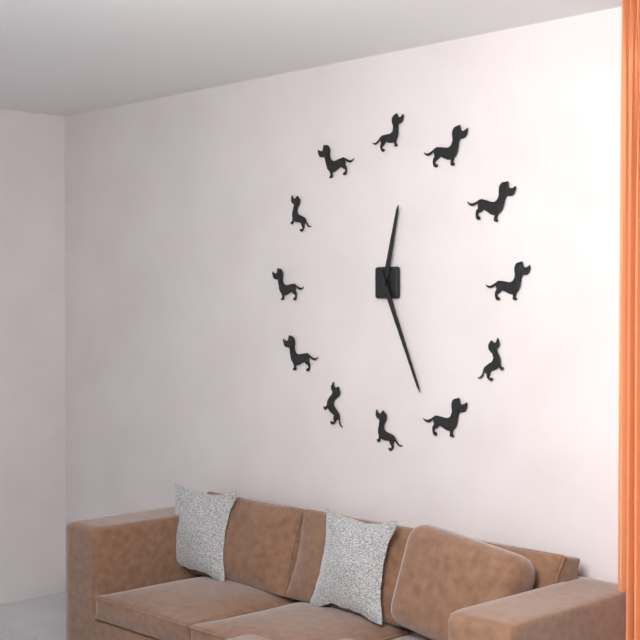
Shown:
12 h 26 min
